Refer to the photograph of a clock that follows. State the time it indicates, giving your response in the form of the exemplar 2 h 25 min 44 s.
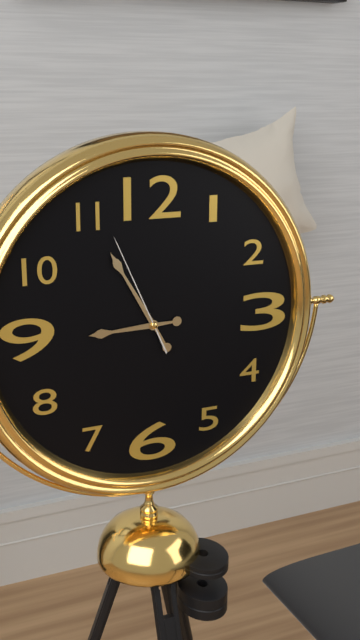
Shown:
8 h 55 min 56 s
